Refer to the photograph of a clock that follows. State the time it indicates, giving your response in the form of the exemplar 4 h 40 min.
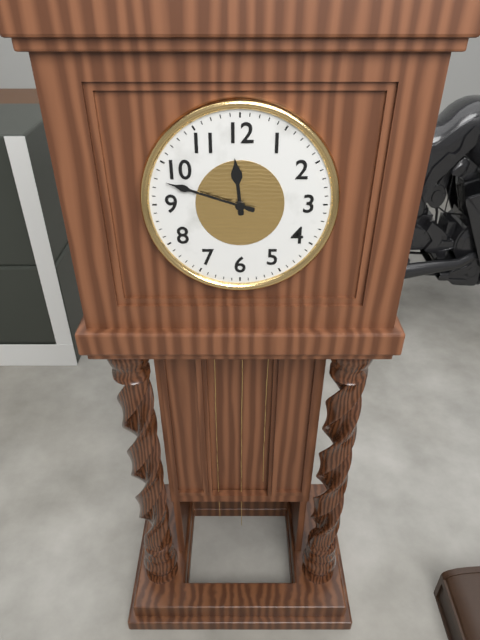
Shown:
11 h 48 min
